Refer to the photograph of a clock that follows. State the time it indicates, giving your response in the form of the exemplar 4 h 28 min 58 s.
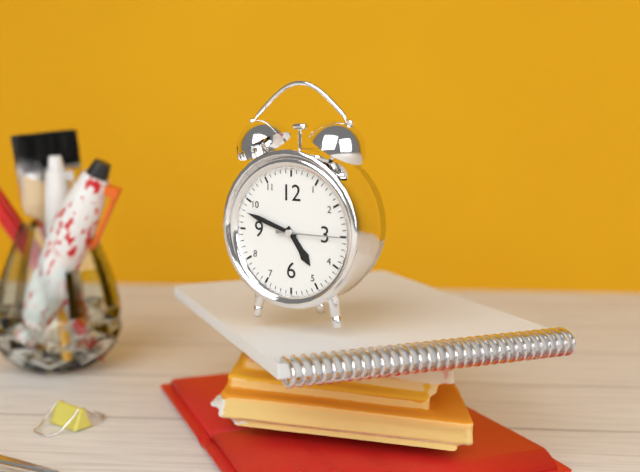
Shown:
4 h 48 min 15 s
